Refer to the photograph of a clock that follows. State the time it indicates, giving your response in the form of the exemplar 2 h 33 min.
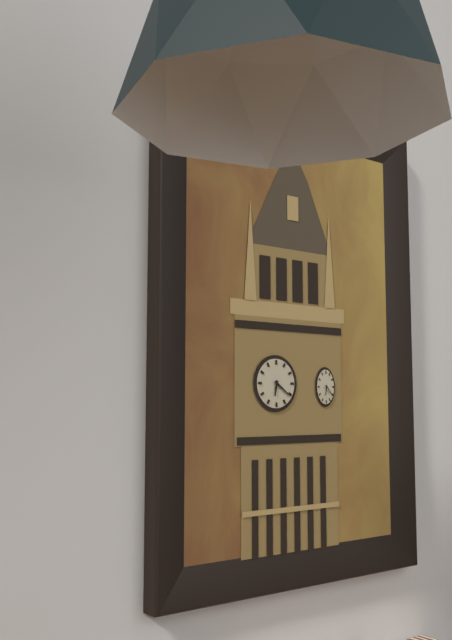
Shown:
6 h 21 min
